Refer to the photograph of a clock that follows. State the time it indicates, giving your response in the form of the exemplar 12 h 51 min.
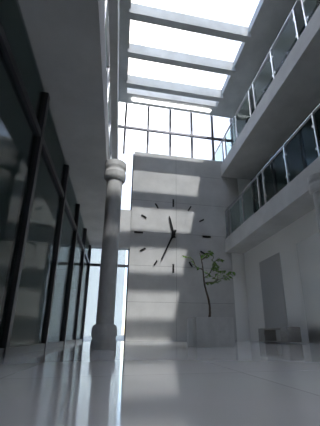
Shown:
11 h 34 min
